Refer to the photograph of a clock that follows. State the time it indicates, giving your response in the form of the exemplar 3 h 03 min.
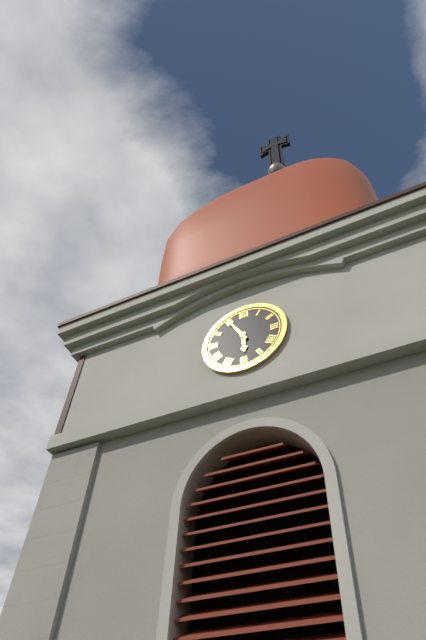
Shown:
5 h 55 min
